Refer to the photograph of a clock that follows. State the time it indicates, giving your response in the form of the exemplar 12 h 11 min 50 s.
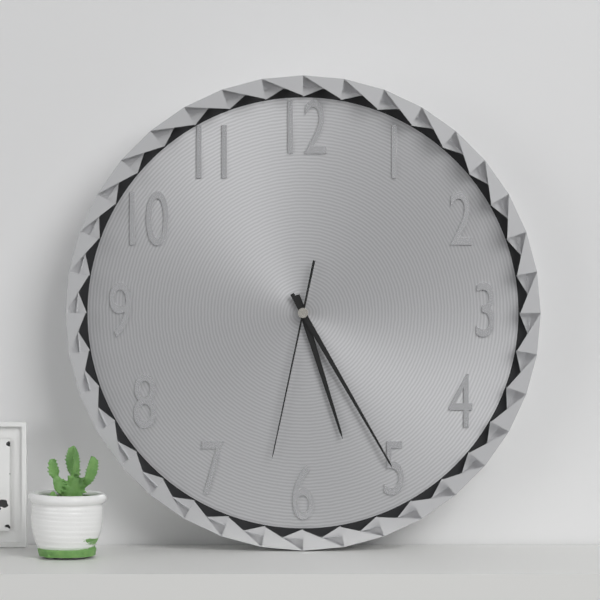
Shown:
5 h 25 min 32 s
